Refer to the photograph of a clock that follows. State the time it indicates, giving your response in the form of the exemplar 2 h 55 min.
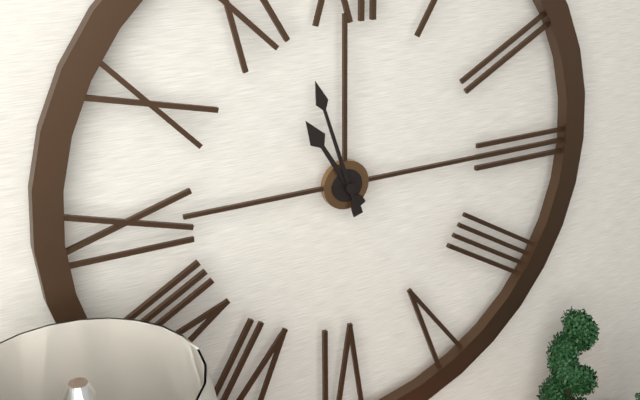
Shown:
10 h 57 min
